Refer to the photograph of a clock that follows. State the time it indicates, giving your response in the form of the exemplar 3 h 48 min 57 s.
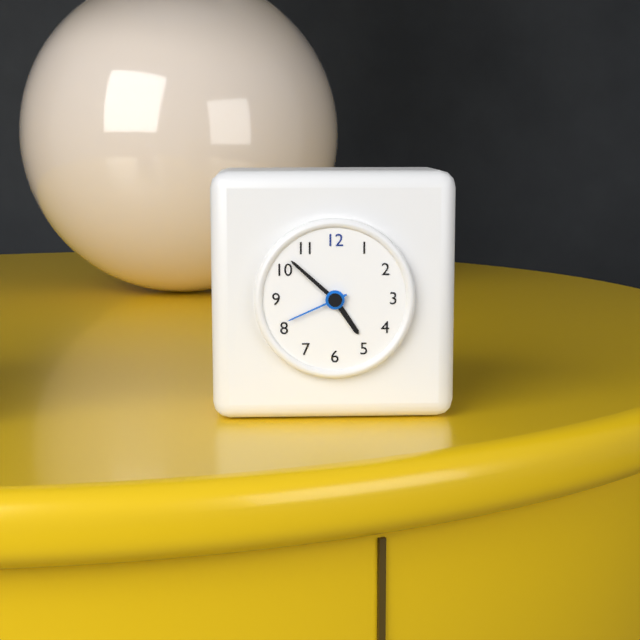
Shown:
4 h 52 min 41 s
